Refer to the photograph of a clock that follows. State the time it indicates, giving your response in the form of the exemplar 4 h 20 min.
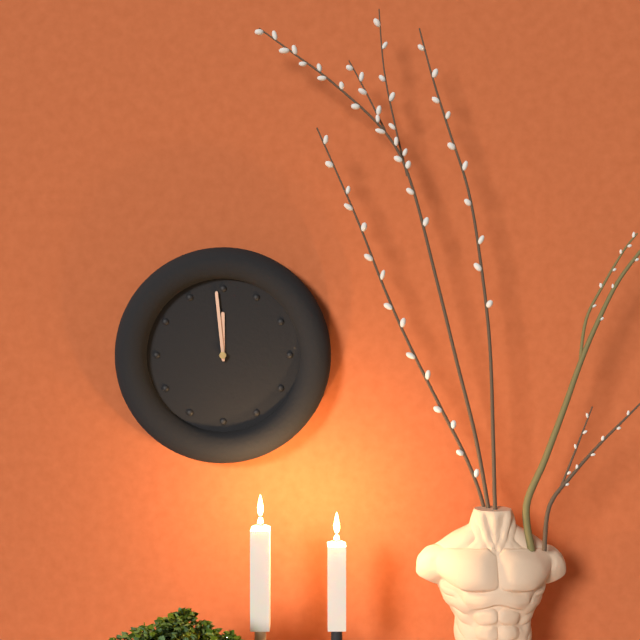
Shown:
11 h 59 min
